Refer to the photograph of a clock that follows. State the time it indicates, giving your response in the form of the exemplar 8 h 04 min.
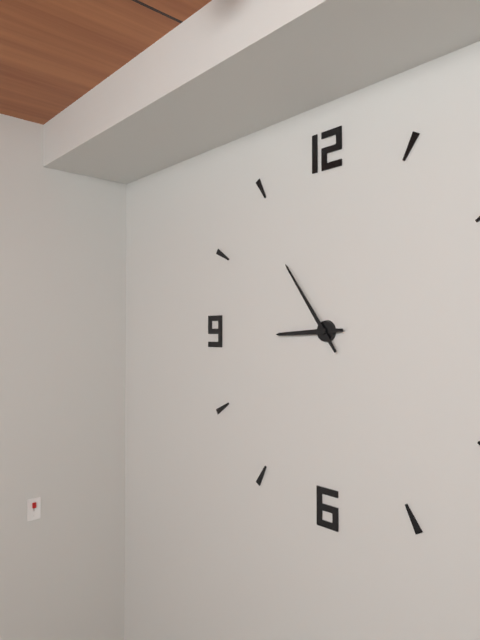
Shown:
8 h 54 min
